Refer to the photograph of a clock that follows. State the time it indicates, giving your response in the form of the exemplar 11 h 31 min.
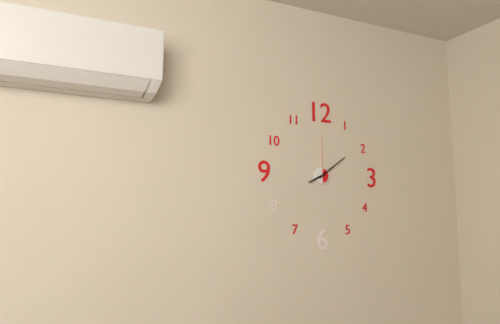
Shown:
8 h 09 min
